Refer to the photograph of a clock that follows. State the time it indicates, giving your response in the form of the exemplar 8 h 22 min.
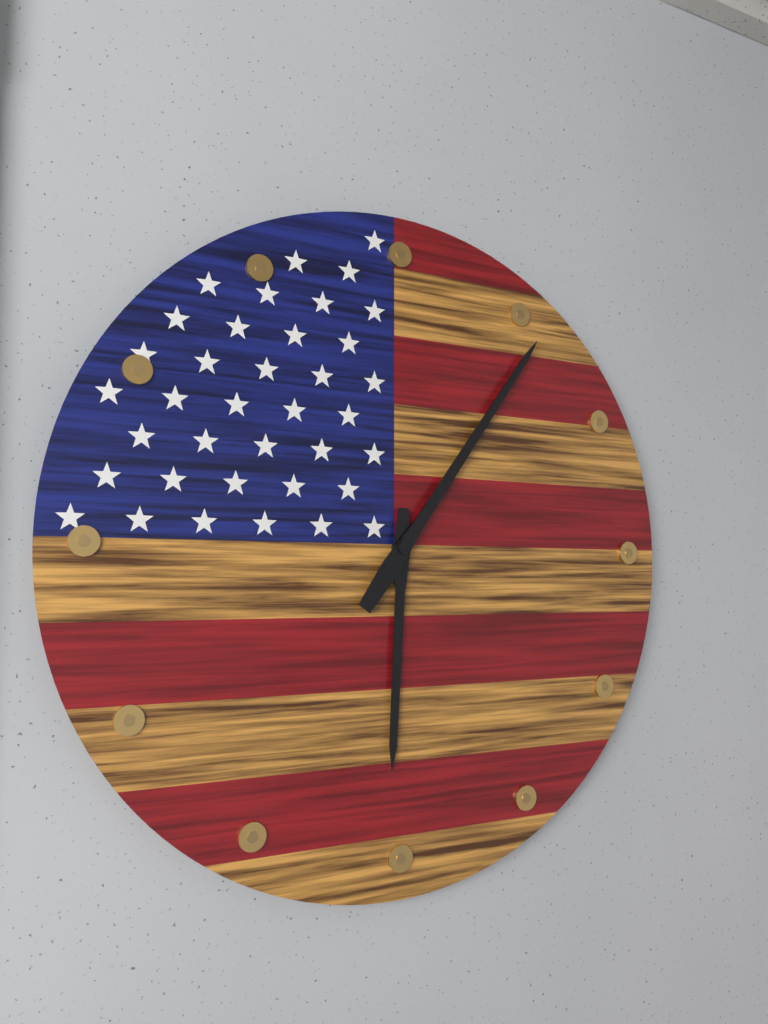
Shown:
6 h 06 min
